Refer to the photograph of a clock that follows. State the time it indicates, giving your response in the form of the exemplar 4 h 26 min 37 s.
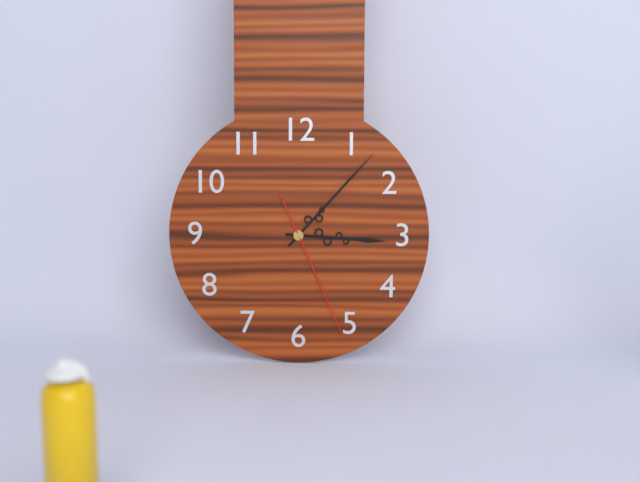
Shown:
3 h 07 min 26 s
